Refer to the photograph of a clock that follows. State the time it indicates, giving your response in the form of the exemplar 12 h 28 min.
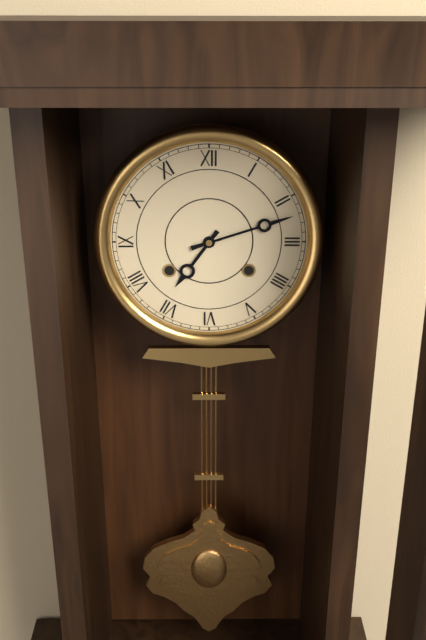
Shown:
7 h 12 min
